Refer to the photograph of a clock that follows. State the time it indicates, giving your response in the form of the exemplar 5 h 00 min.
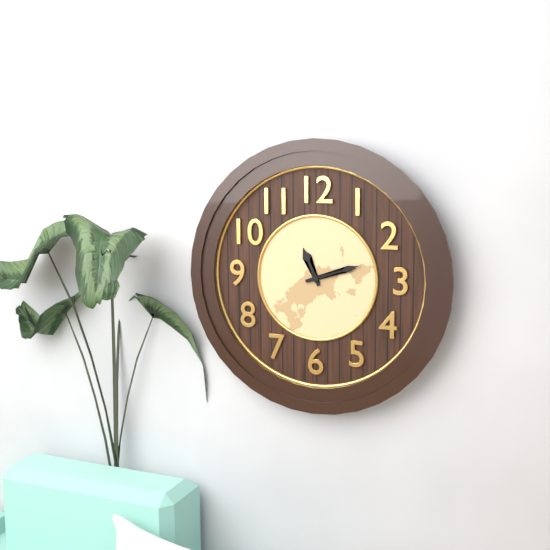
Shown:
11 h 12 min
